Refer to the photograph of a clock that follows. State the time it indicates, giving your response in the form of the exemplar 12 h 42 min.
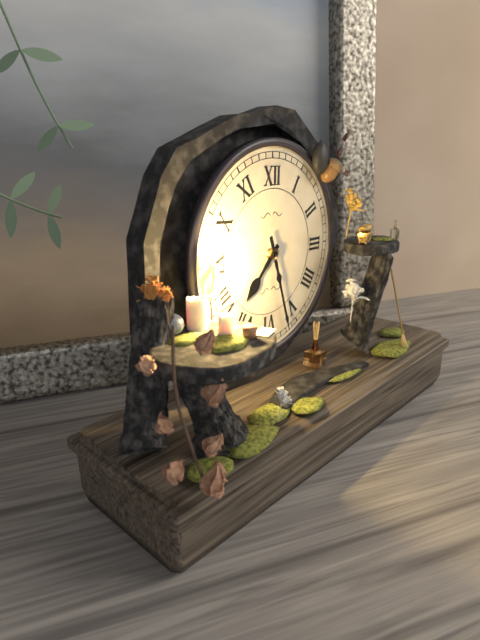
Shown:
7 h 27 min
